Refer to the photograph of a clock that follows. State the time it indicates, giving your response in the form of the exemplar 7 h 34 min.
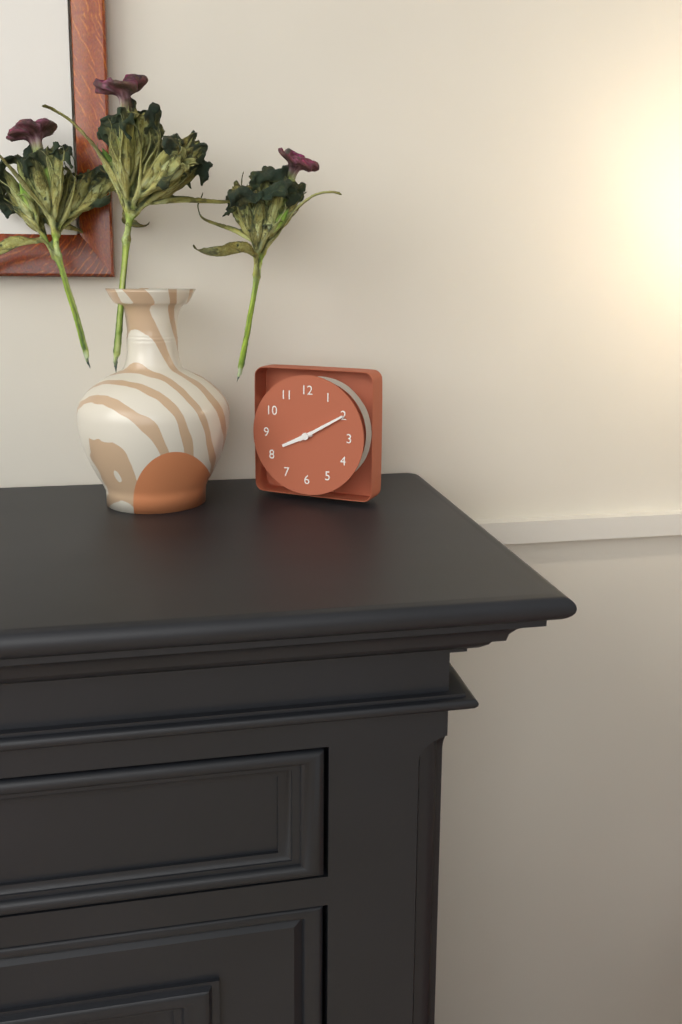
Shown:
8 h 10 min
